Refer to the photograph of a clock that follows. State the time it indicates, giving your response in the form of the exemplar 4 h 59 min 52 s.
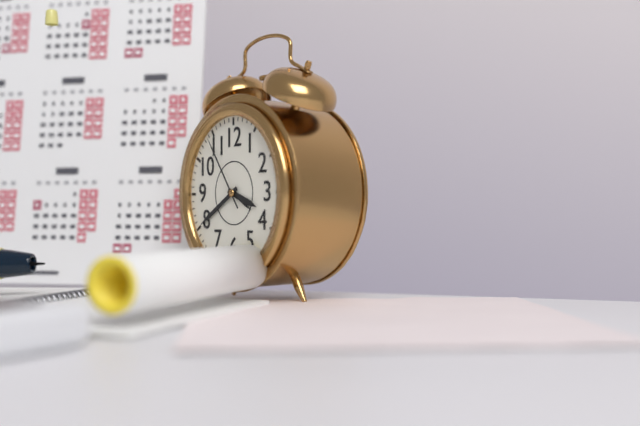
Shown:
3 h 40 min 54 s
